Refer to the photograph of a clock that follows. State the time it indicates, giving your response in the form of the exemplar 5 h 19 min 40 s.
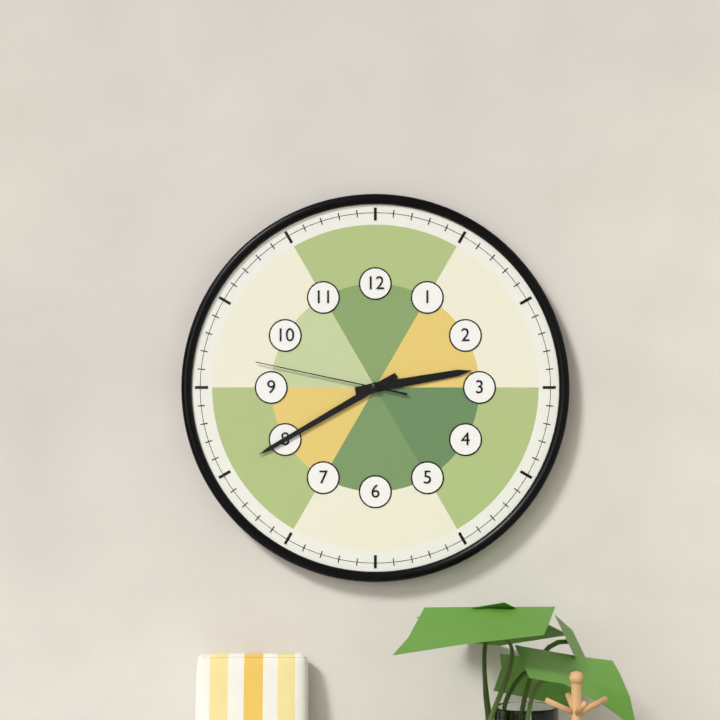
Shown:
2 h 40 min 47 s
